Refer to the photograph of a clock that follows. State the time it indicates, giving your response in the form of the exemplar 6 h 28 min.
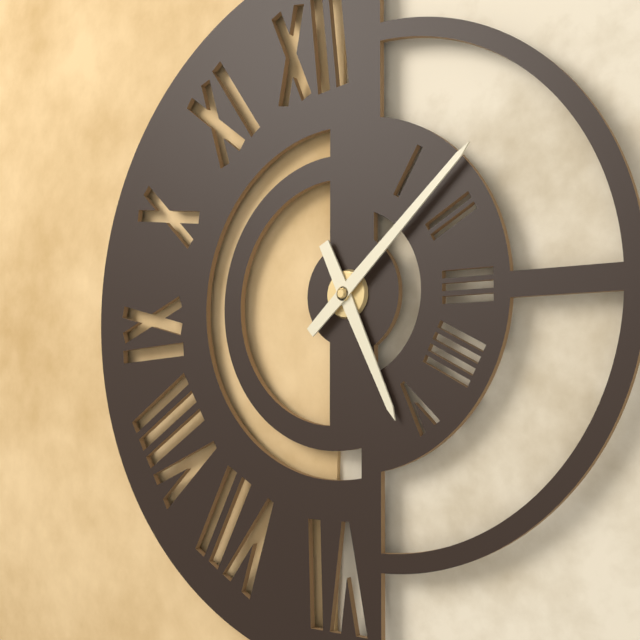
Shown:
5 h 08 min
